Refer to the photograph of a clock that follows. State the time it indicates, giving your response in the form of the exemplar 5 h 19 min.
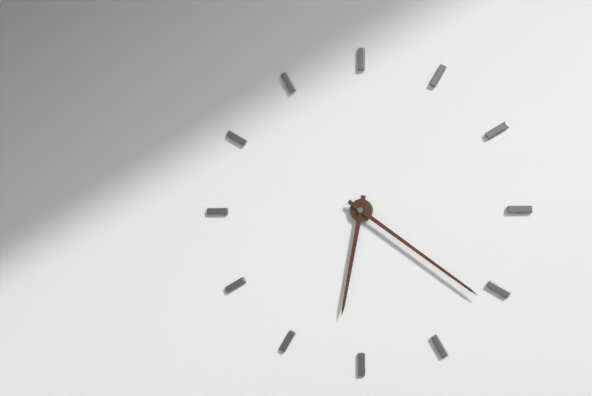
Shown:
6 h 21 min
